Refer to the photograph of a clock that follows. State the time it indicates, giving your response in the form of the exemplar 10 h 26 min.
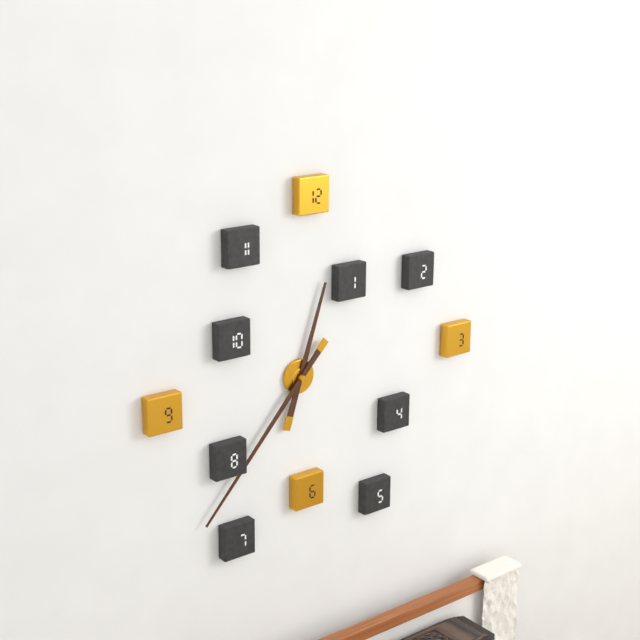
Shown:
12 h 37 min
